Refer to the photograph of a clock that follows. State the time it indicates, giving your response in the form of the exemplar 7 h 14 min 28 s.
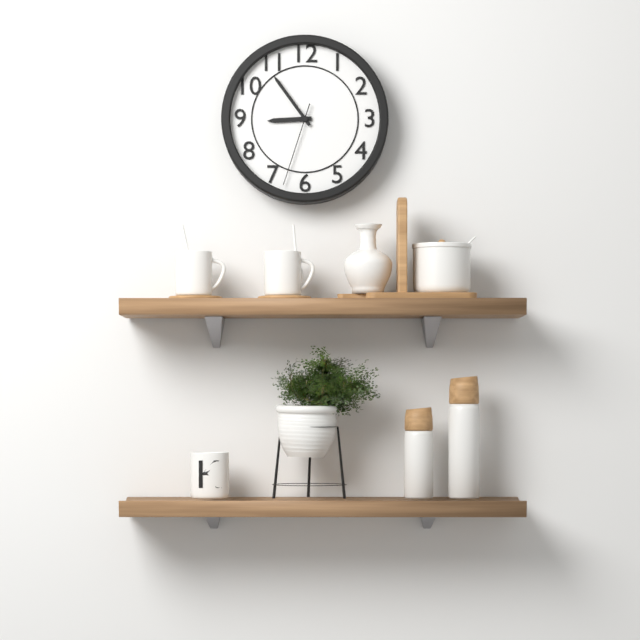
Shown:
8 h 54 min 33 s
